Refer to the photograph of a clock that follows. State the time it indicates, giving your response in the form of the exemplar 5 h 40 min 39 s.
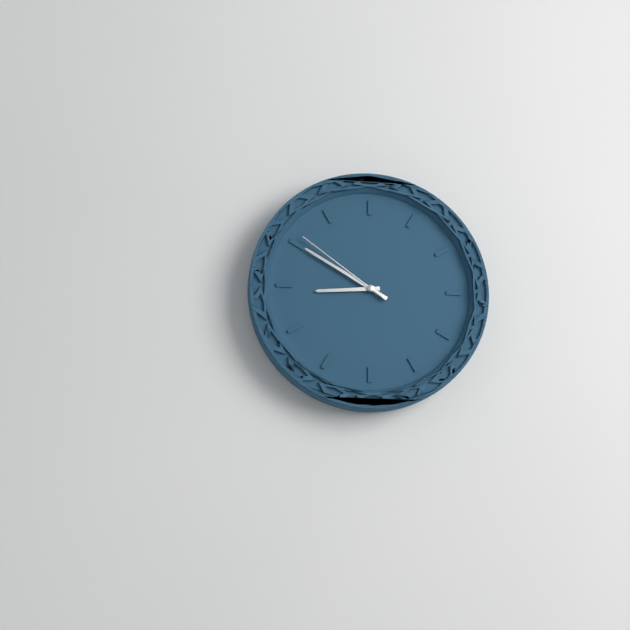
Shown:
8 h 50 min 51 s
